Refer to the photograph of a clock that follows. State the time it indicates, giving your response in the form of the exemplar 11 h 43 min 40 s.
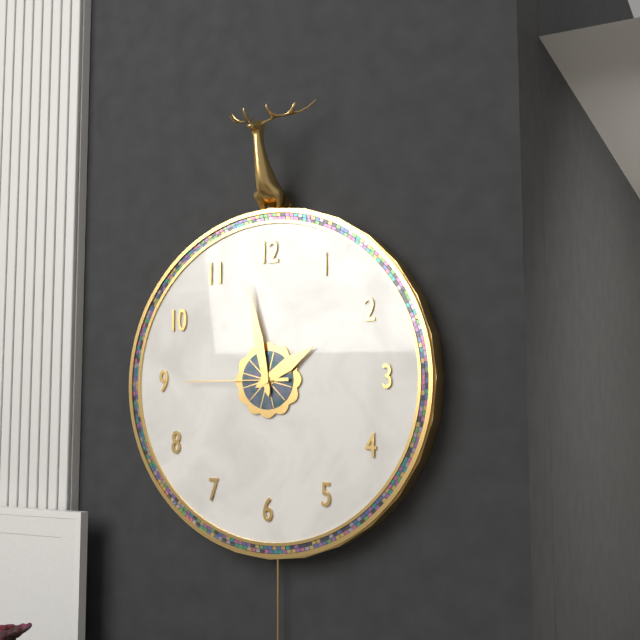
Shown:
1 h 58 min 45 s
